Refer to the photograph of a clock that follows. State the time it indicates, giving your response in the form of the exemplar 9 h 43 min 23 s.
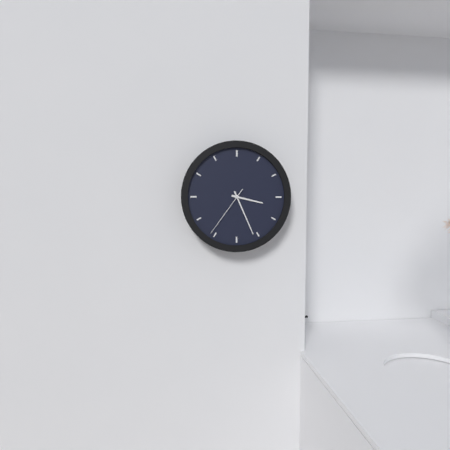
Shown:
3 h 26 min 36 s
